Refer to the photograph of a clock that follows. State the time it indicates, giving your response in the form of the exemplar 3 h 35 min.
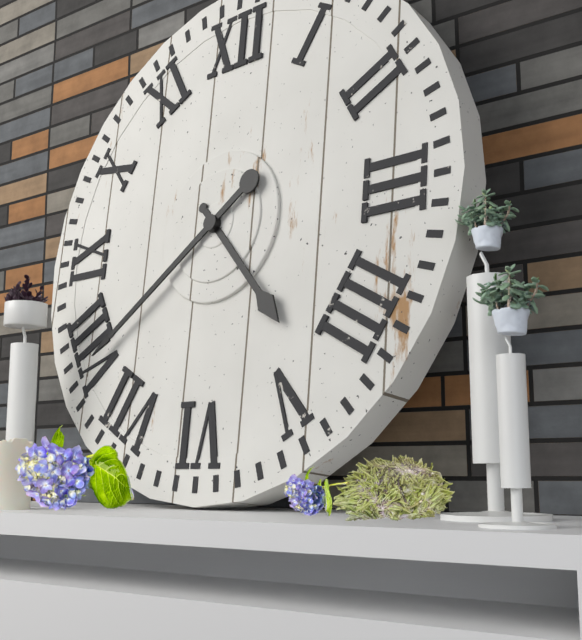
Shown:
4 h 39 min
